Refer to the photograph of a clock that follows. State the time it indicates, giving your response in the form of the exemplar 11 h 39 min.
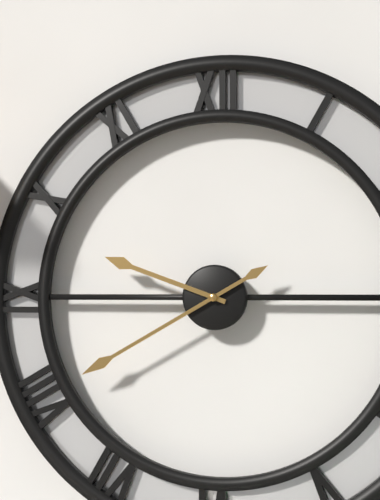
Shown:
9 h 40 min
